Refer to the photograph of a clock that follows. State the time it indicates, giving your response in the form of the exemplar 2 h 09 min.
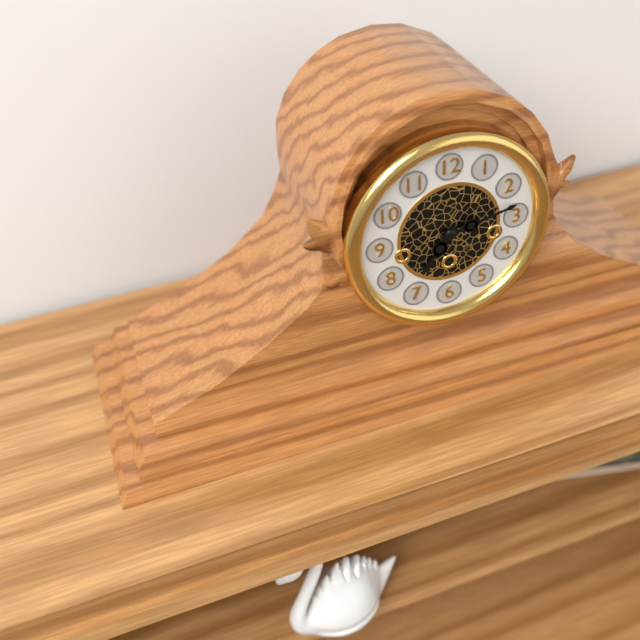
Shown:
7 h 13 min
